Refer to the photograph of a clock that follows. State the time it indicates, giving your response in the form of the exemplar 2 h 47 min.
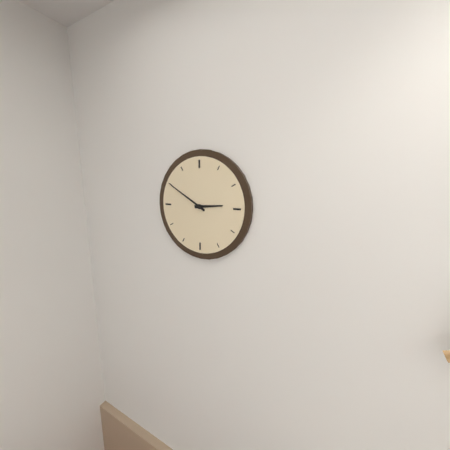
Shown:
2 h 50 min
